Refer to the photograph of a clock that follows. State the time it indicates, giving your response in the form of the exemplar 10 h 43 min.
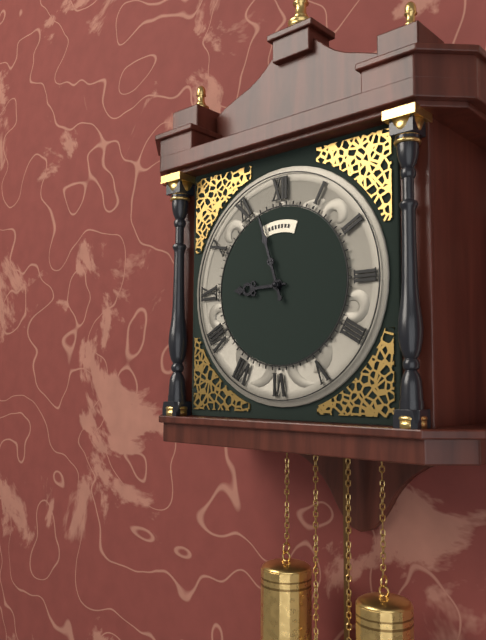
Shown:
8 h 57 min
